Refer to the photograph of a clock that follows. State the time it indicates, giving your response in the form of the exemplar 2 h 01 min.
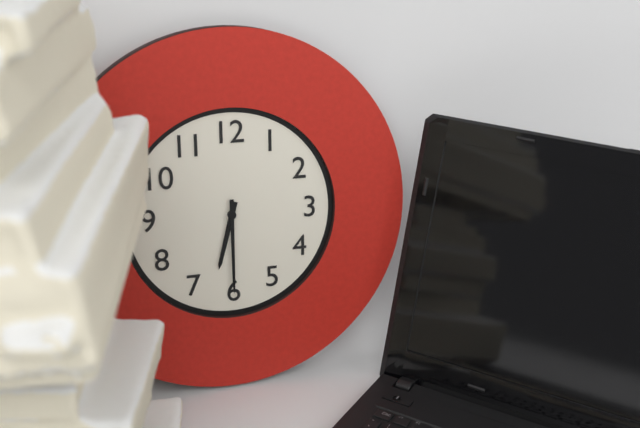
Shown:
6 h 30 min
